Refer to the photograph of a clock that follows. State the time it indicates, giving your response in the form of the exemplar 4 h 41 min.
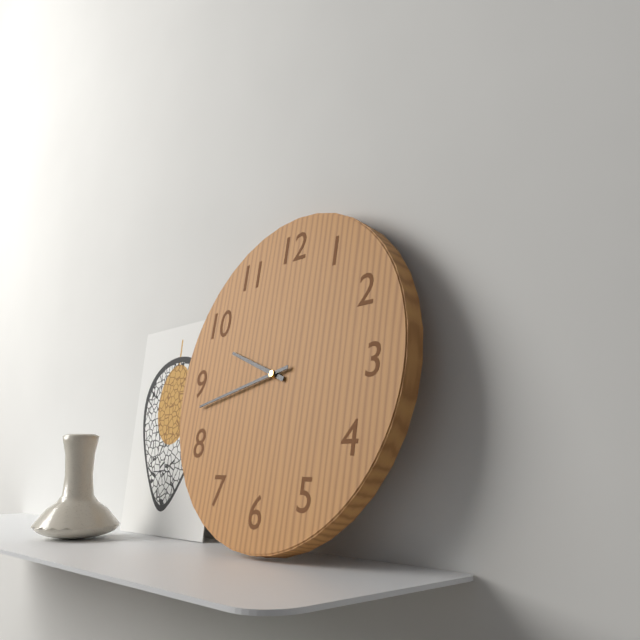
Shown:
9 h 43 min
